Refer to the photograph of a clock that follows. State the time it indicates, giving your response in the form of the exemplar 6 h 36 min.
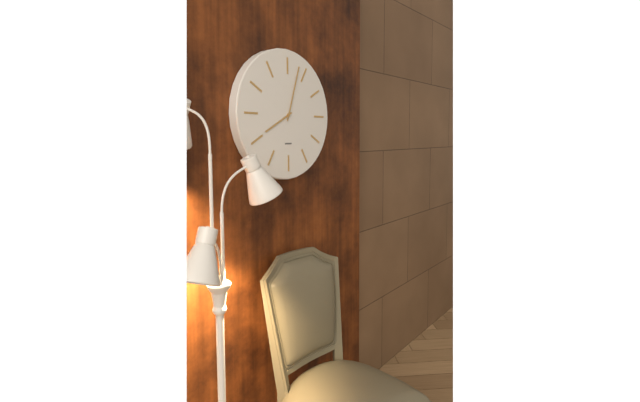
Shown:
8 h 03 min
